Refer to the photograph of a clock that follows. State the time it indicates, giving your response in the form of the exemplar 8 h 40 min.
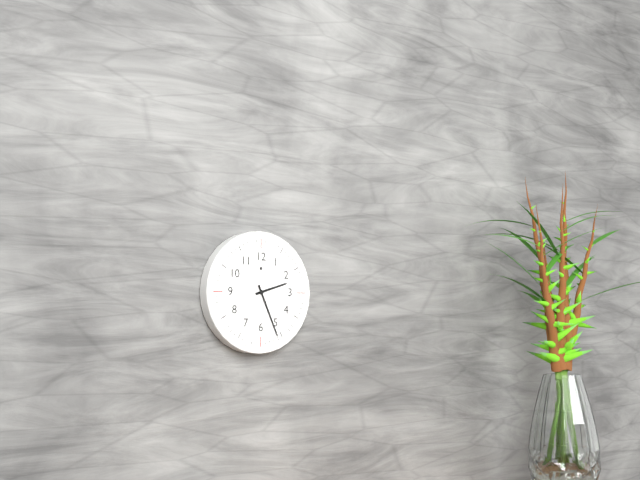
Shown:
2 h 26 min
